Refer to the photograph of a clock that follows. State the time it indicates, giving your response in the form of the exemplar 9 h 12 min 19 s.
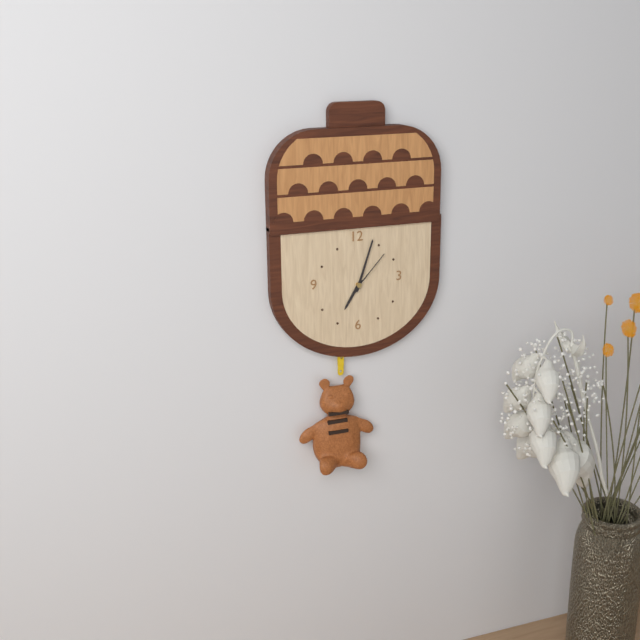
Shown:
7 h 03 min 07 s
